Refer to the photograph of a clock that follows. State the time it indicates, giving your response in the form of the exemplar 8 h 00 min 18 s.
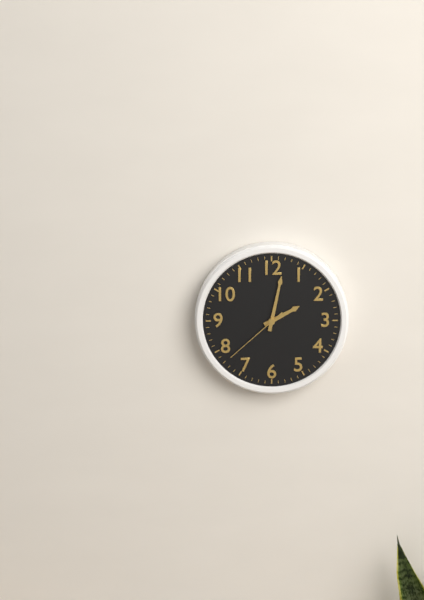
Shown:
2 h 02 min 38 s
